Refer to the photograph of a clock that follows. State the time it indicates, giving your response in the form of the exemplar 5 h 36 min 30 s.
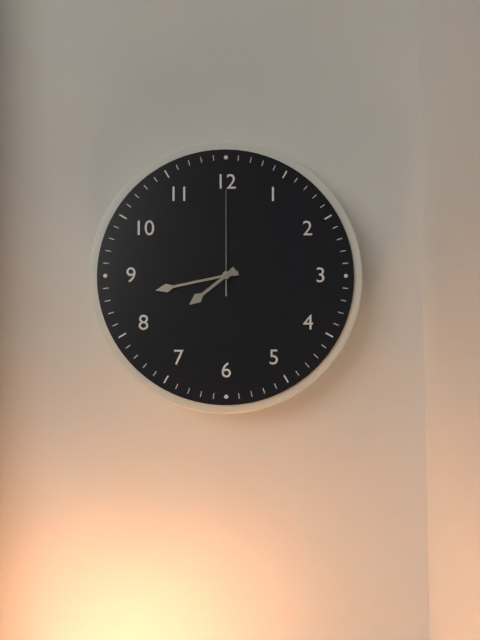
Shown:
7 h 43 min 00 s
